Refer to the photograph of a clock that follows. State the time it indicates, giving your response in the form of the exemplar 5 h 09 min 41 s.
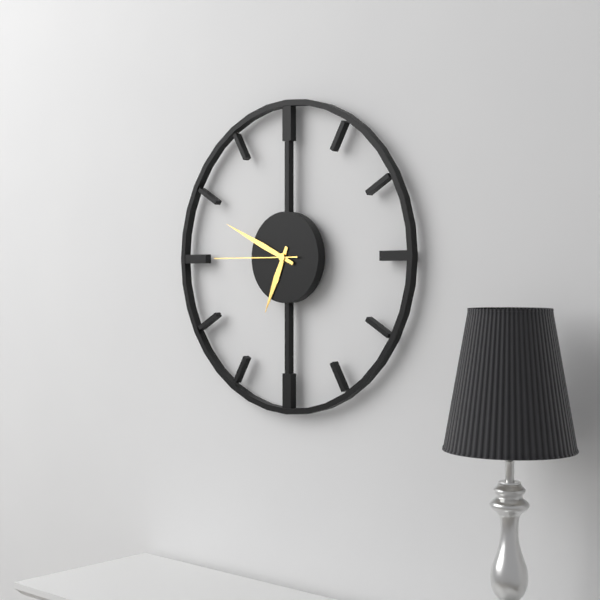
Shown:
6 h 49 min 45 s
